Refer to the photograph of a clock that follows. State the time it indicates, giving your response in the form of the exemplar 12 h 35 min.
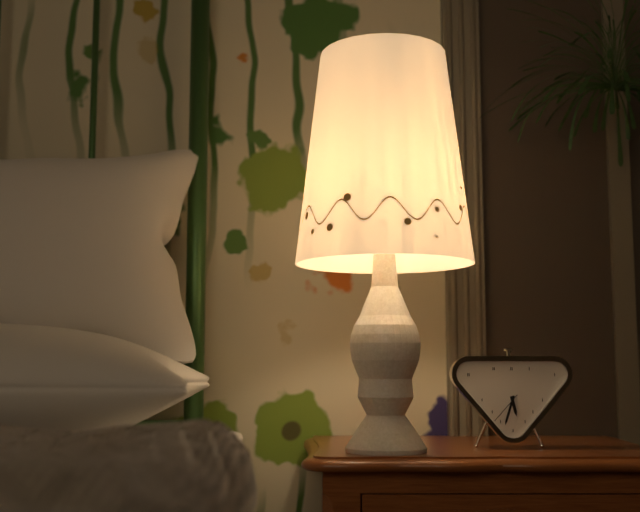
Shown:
5 h 33 min
